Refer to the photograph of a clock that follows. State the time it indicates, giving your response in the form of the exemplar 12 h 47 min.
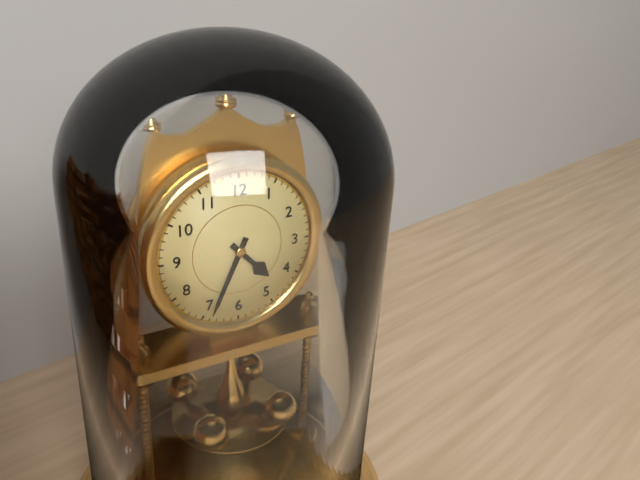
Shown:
4 h 34 min
